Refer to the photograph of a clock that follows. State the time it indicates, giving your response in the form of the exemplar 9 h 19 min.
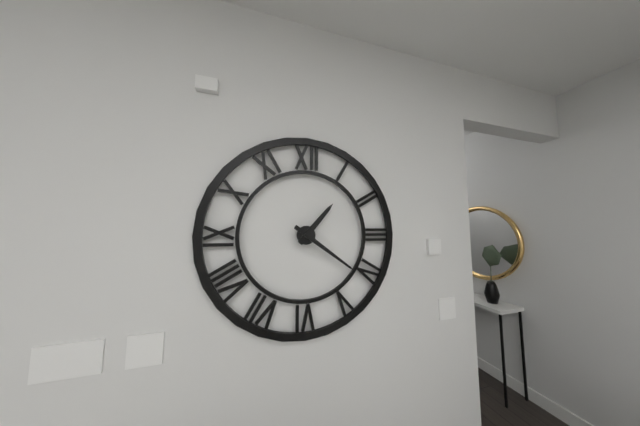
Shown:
1 h 21 min
